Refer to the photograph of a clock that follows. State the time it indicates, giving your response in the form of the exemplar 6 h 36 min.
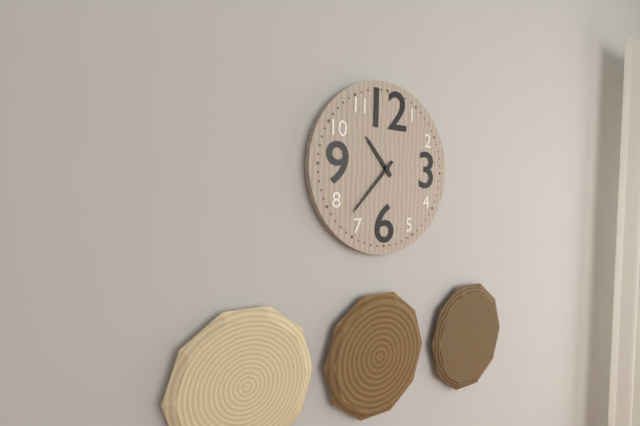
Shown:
10 h 37 min
